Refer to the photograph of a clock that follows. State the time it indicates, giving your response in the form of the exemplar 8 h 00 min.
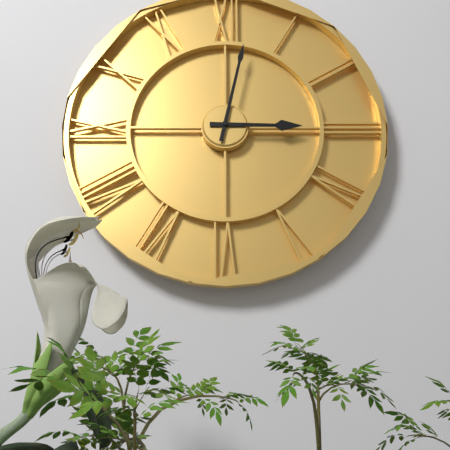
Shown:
3 h 02 min
